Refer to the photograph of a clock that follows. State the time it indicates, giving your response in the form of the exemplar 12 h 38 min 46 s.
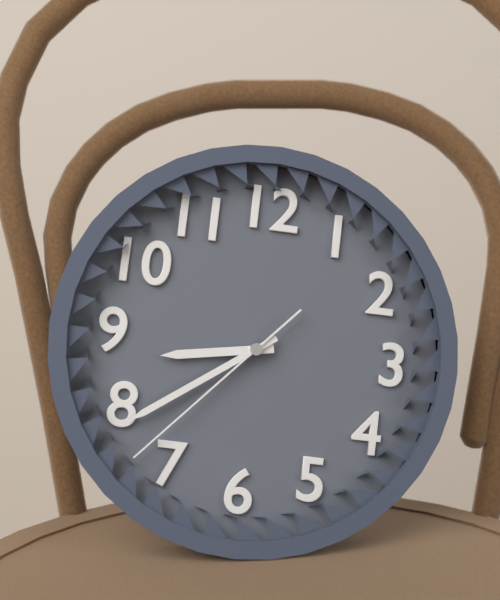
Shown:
8 h 39 min 37 s
